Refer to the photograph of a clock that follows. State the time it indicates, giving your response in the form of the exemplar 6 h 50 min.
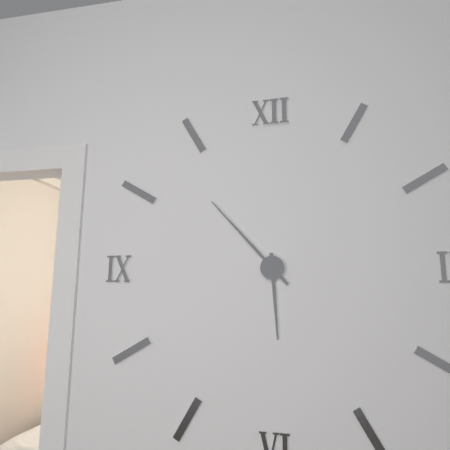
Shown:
5 h 53 min
